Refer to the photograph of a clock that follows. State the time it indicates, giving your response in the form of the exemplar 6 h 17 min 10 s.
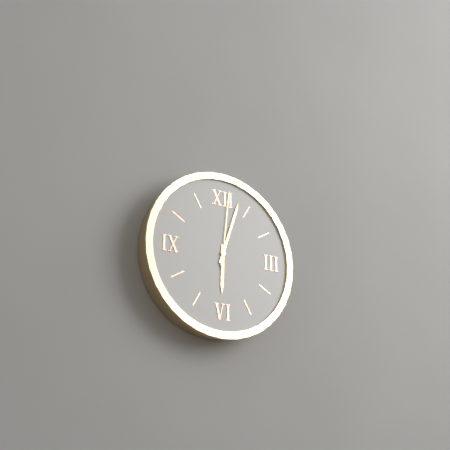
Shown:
6 h 03 min 01 s
